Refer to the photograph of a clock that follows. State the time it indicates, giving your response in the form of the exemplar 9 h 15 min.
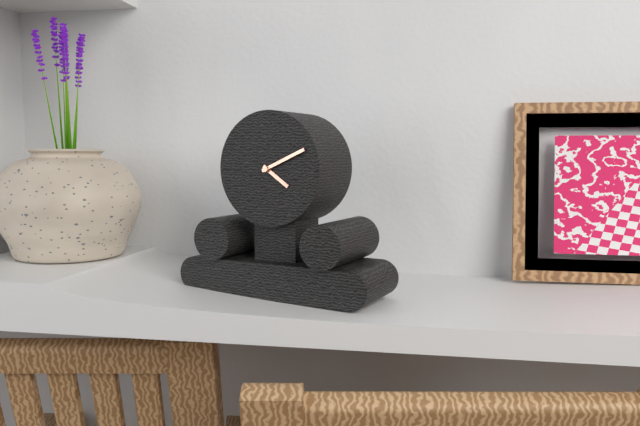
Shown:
4 h 11 min
